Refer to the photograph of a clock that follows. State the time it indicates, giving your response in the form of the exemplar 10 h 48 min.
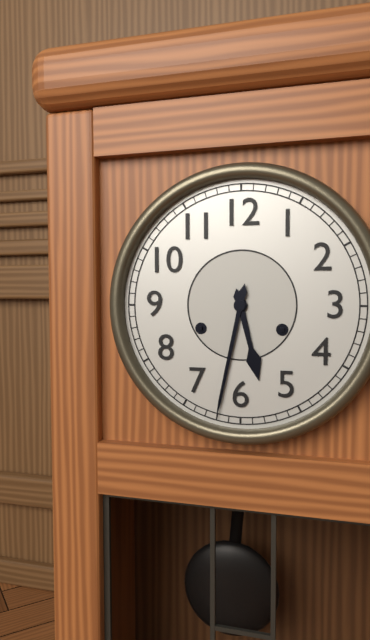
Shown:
5 h 32 min
